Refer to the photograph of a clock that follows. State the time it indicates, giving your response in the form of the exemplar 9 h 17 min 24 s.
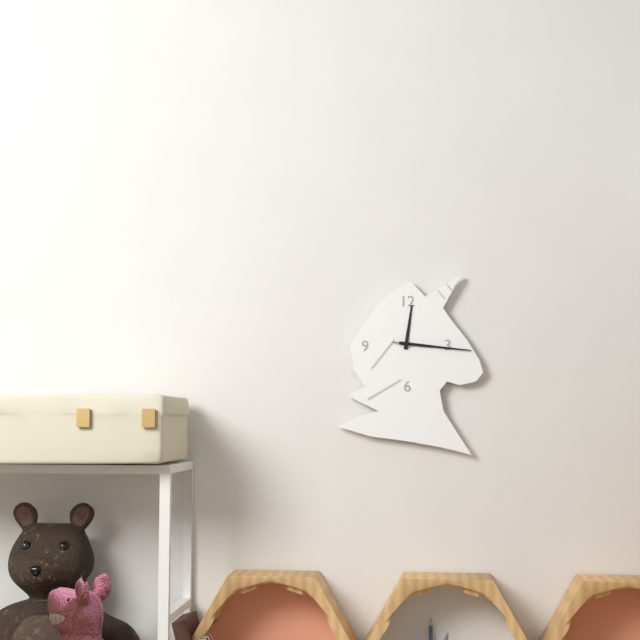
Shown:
12 h 16 min 16 s
